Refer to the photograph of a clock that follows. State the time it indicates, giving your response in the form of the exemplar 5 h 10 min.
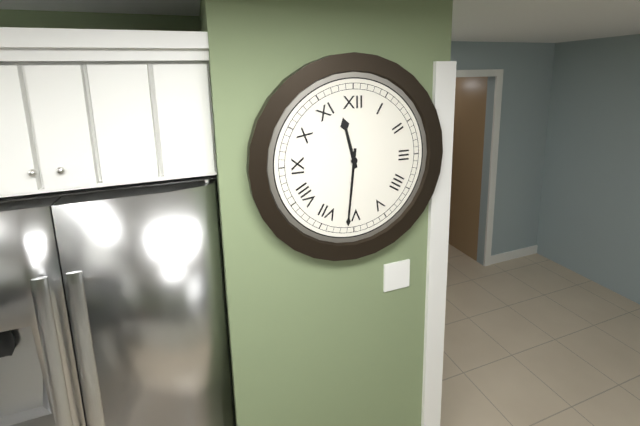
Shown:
11 h 31 min
